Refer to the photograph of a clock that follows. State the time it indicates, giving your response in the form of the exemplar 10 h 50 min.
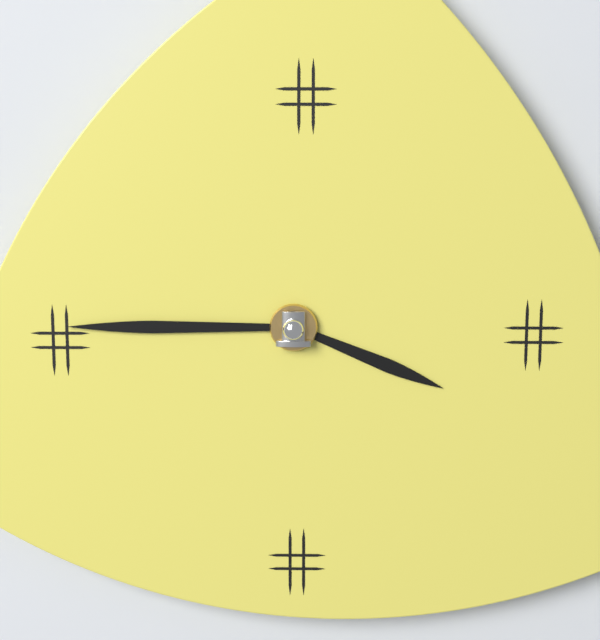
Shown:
3 h 45 min
